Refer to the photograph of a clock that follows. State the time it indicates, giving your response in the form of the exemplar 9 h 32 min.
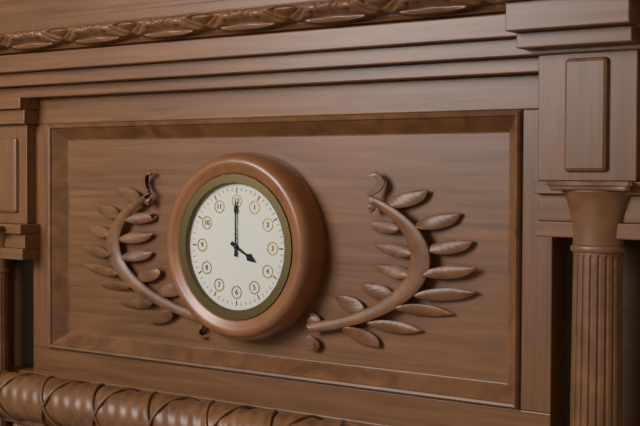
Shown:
4 h 00 min
